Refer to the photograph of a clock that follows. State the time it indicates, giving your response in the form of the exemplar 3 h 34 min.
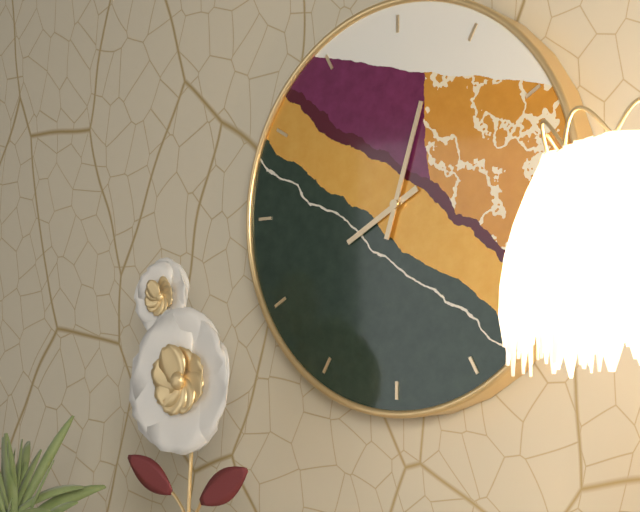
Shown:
8 h 03 min
